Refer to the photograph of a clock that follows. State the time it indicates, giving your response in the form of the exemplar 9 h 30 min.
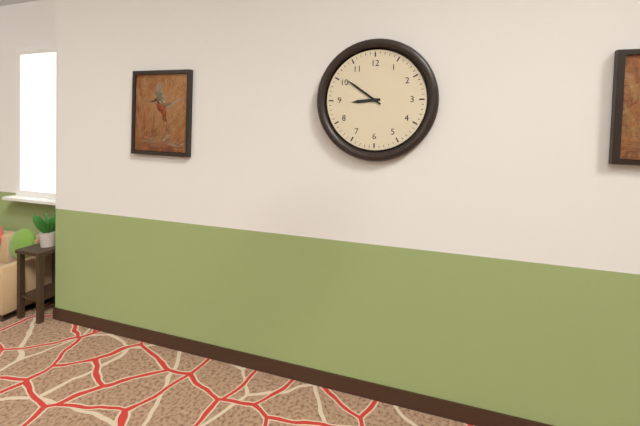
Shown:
8 h 51 min
